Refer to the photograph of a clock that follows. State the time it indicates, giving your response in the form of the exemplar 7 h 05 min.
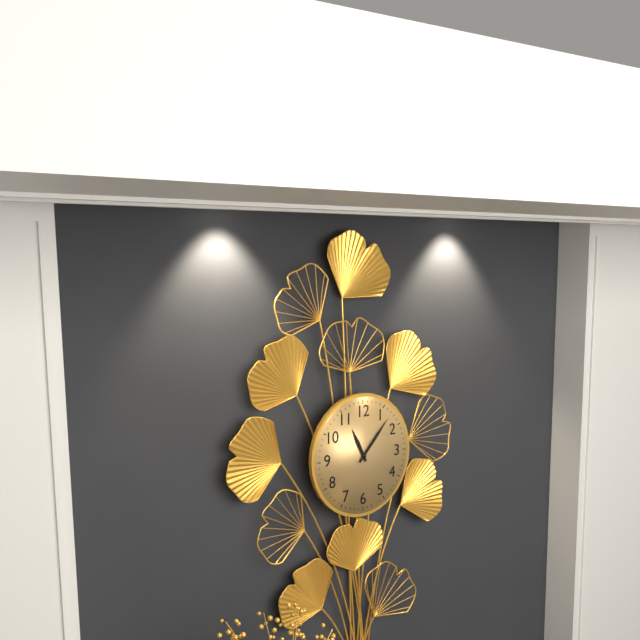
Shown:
11 h 07 min
